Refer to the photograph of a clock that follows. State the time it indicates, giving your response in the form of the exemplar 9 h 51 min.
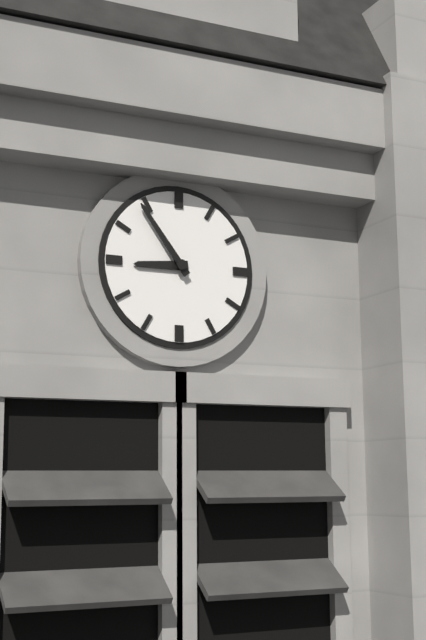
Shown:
8 h 54 min
